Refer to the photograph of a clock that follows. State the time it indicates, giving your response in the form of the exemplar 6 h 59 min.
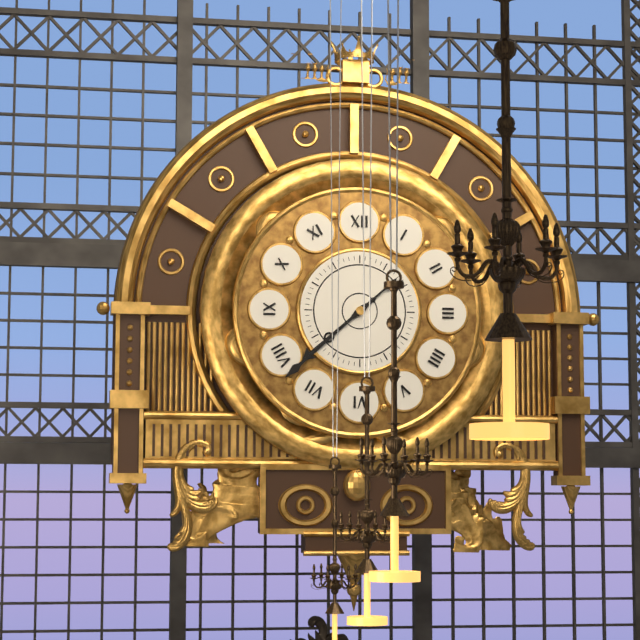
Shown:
7 h 38 min
